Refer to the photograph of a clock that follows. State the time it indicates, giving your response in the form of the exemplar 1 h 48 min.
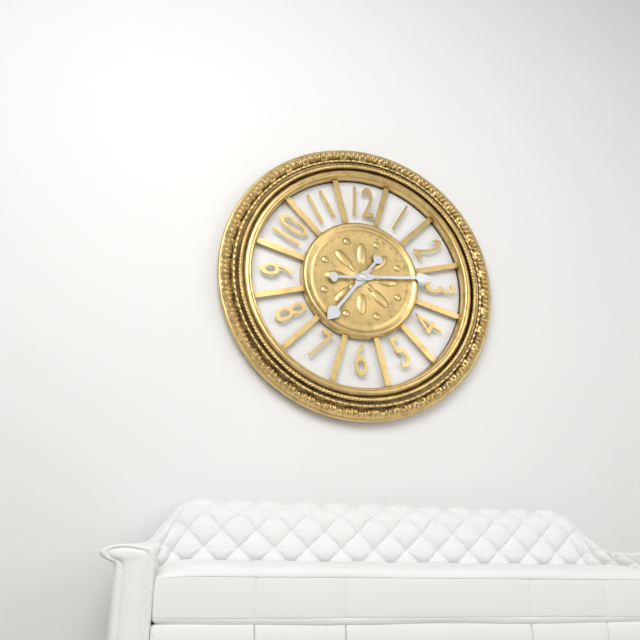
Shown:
7 h 14 min
